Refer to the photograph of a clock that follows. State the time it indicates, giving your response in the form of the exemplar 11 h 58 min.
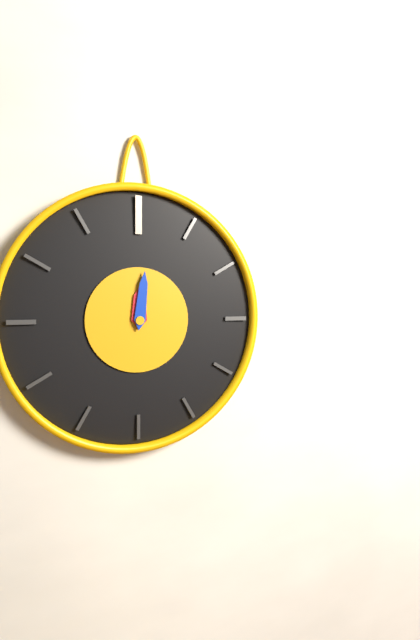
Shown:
12 h 01 min
